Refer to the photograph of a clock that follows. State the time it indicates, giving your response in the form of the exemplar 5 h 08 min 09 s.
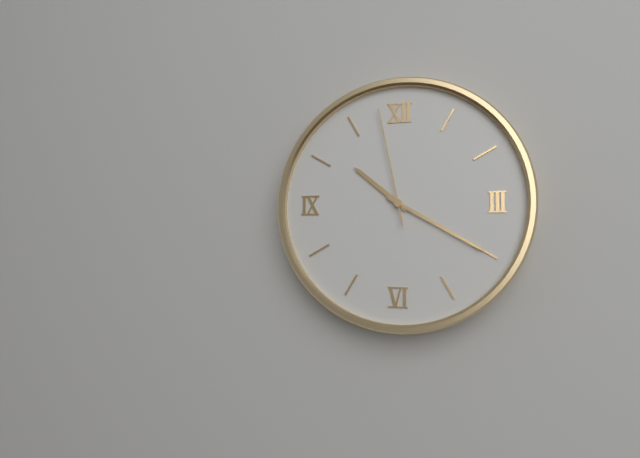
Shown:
10 h 20 min 58 s
